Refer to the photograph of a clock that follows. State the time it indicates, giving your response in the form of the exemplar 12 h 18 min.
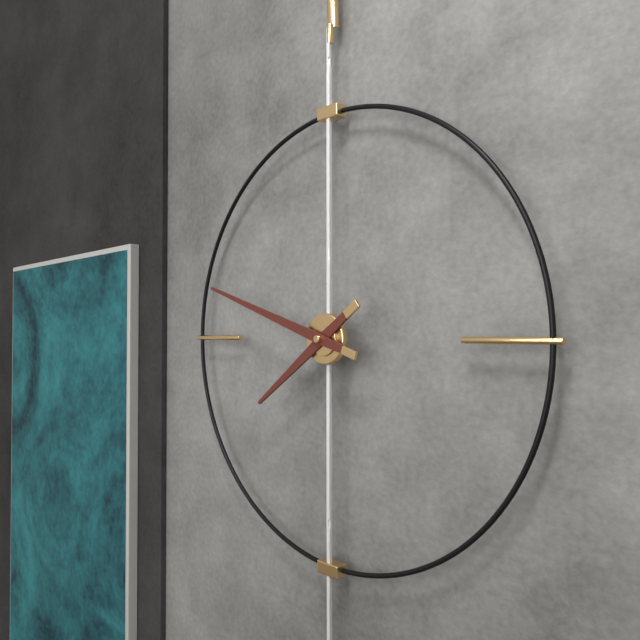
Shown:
7 h 48 min
